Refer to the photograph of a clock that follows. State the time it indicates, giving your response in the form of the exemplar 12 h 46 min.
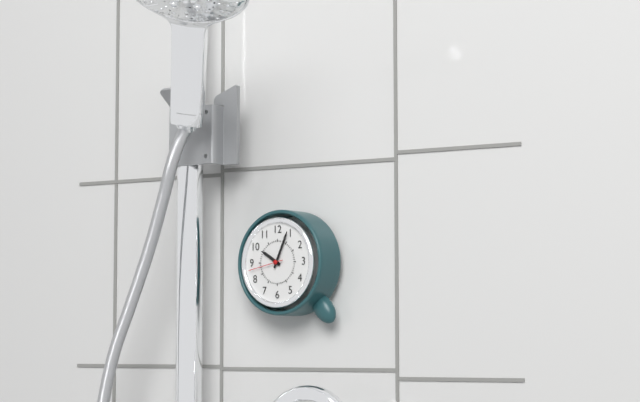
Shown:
10 h 04 min
